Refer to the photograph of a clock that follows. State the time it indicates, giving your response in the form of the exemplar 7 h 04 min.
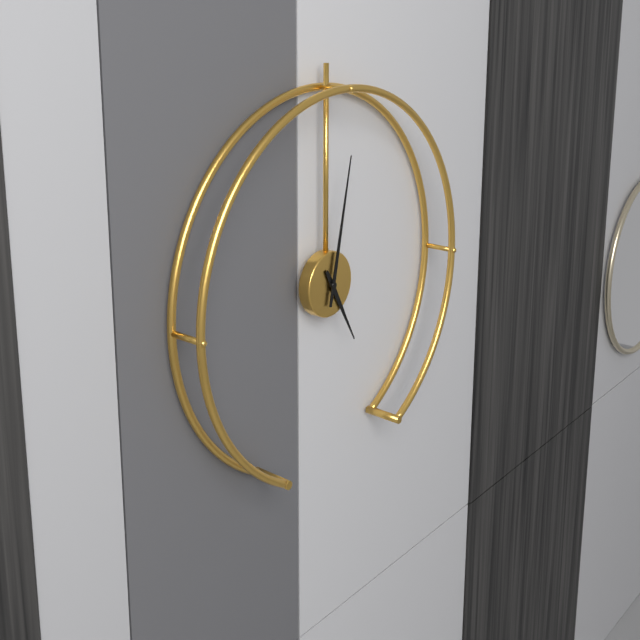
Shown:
5 h 02 min
